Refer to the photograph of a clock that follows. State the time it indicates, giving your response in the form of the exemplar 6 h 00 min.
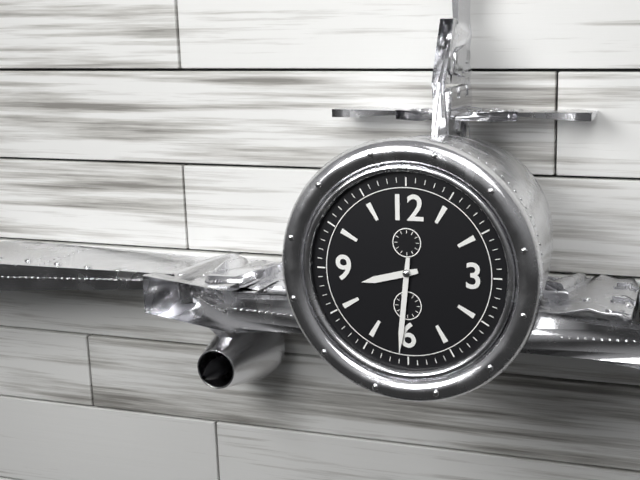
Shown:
8 h 31 min
